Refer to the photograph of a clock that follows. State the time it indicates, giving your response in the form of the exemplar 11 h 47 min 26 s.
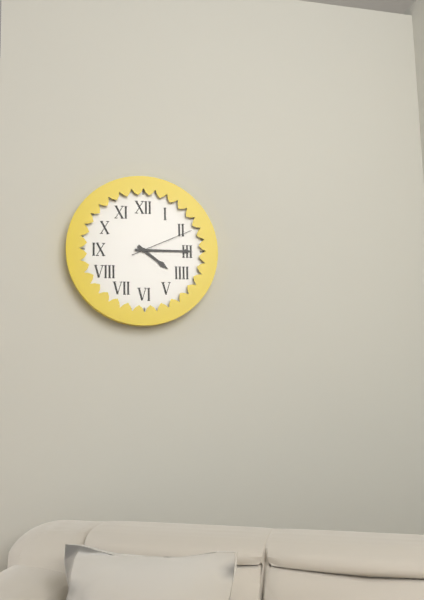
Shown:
4 h 15 min 11 s
